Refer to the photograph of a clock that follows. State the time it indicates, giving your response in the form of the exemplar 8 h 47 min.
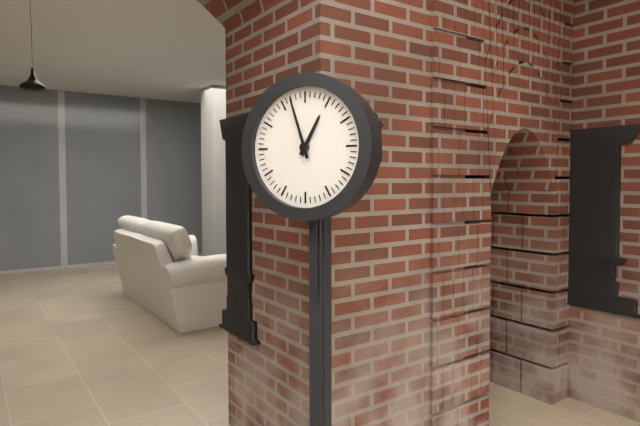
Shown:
12 h 57 min
